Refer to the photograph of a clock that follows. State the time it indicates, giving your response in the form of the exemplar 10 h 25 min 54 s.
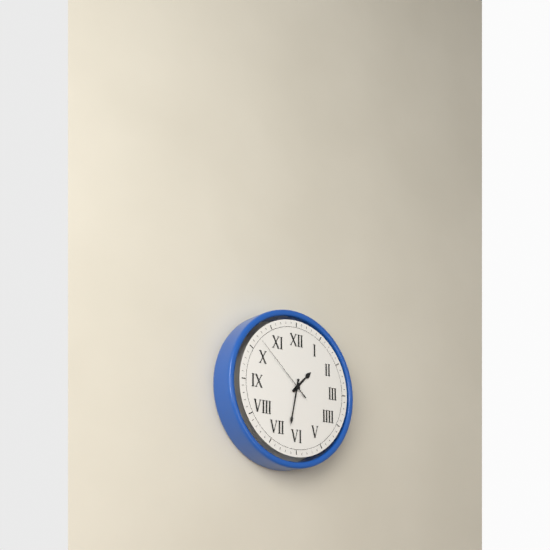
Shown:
1 h 32 min 52 s
